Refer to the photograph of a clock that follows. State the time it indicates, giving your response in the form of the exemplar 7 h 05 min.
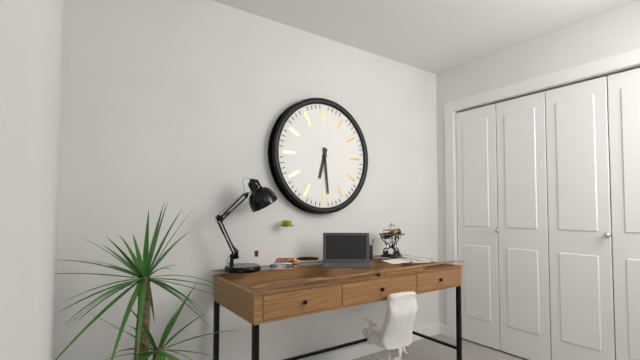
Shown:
6 h 29 min
